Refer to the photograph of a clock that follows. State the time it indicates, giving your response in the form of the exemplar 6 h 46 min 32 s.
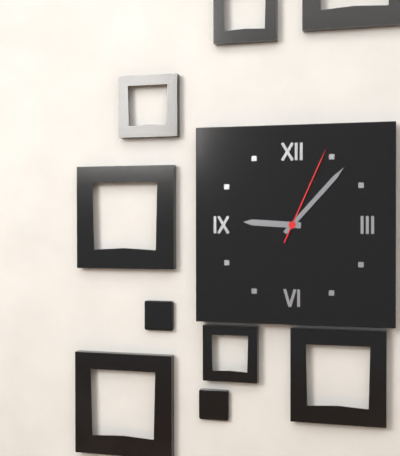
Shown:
9 h 07 min 04 s
